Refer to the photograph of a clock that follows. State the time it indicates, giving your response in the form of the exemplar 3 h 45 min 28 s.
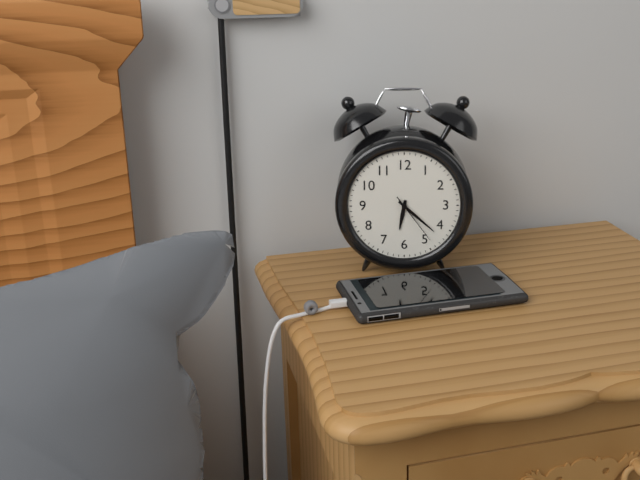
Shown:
6 h 22 min 24 s
